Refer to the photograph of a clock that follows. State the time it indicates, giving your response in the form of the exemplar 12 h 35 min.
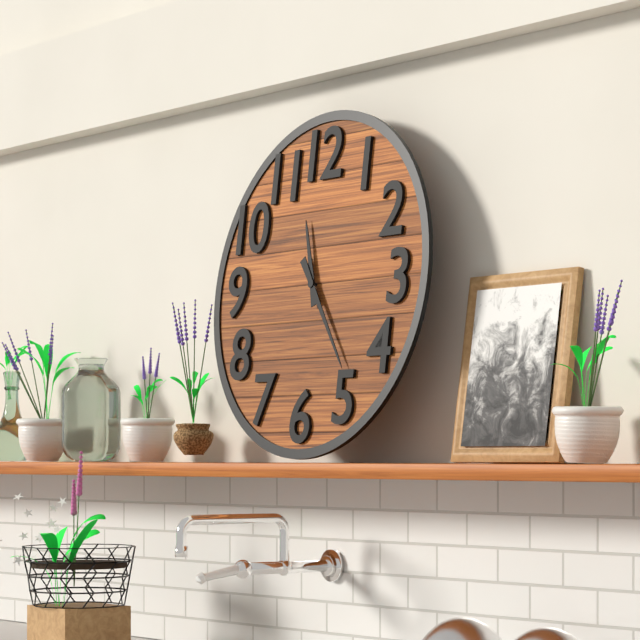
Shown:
11 h 24 min
